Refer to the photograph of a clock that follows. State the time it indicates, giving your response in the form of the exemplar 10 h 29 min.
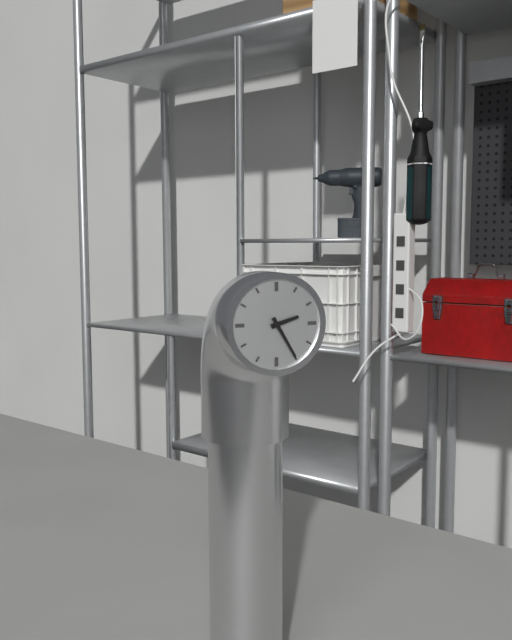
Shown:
2 h 25 min
